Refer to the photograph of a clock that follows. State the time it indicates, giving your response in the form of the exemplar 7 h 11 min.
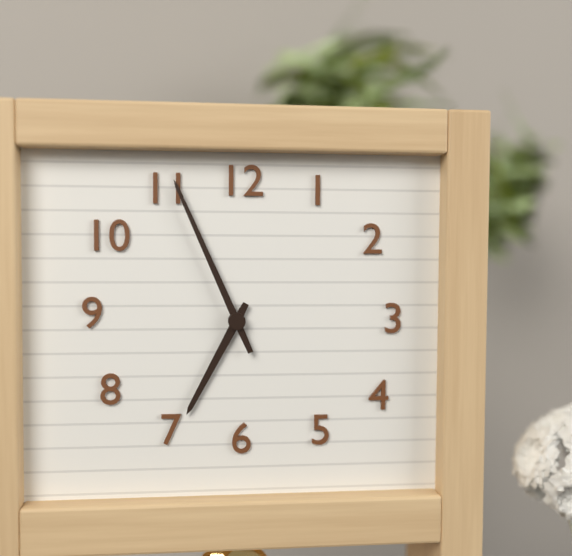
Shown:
6 h 56 min
